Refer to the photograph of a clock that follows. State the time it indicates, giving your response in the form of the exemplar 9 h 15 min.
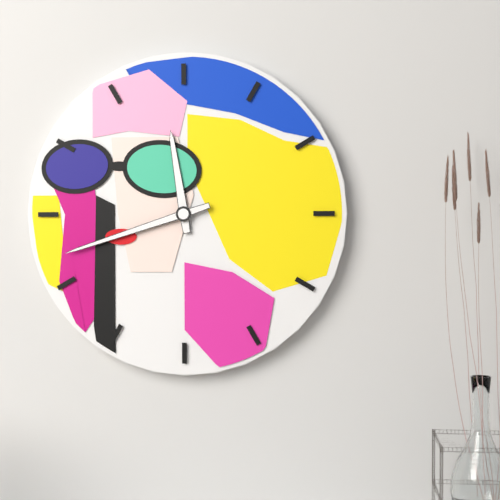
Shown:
11 h 42 min
